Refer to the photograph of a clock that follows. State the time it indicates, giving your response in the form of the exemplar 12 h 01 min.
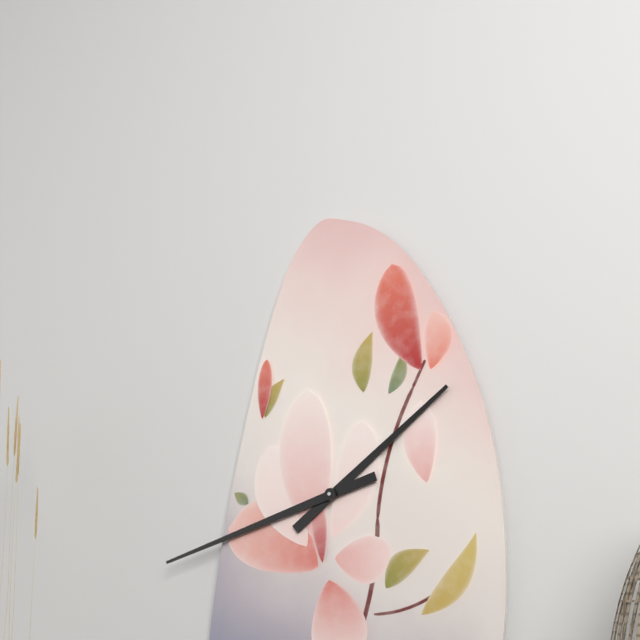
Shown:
1 h 42 min
